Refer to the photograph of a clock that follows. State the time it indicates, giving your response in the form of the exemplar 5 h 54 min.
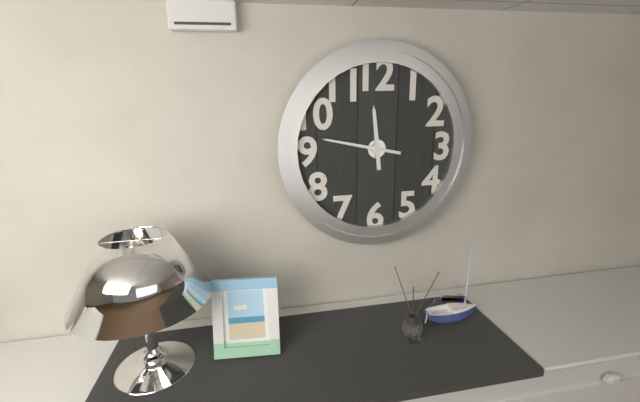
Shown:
11 h 47 min
